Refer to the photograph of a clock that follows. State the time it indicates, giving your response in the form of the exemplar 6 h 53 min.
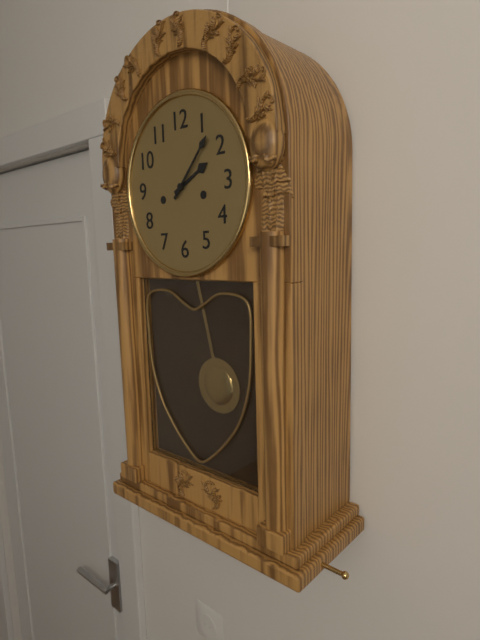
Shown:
2 h 07 min
